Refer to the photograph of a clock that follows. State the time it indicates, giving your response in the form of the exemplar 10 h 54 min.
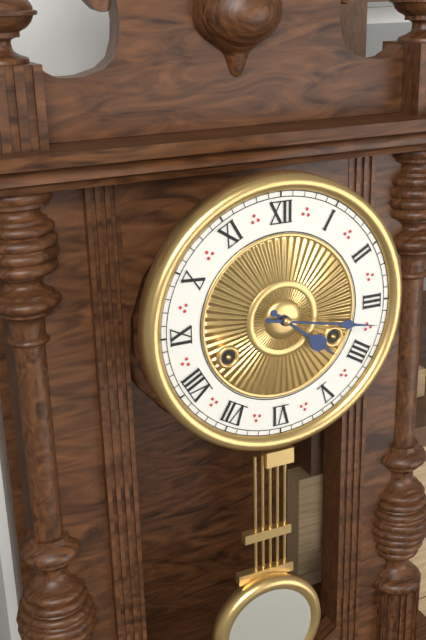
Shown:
4 h 17 min
